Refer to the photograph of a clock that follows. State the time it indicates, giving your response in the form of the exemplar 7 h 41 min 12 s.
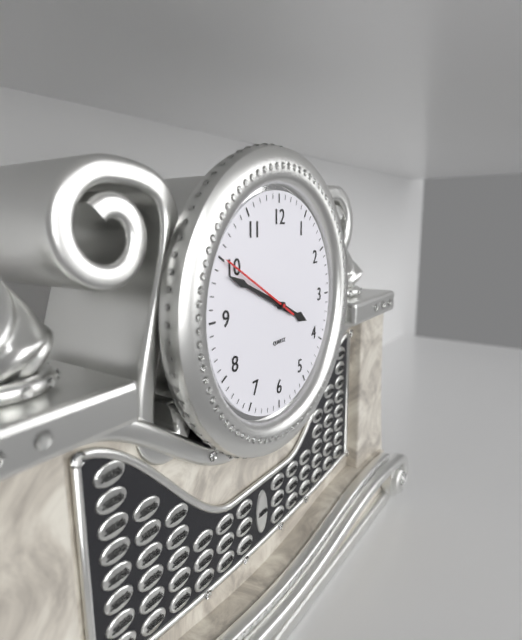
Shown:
3 h 49 min 50 s
